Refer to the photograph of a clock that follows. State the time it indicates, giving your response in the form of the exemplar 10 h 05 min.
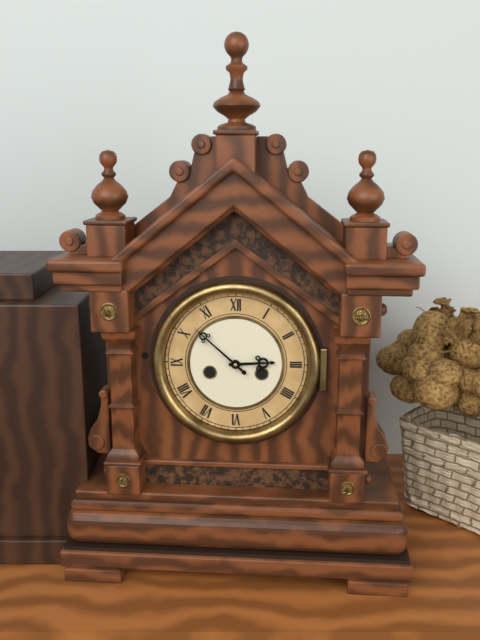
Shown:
2 h 52 min
